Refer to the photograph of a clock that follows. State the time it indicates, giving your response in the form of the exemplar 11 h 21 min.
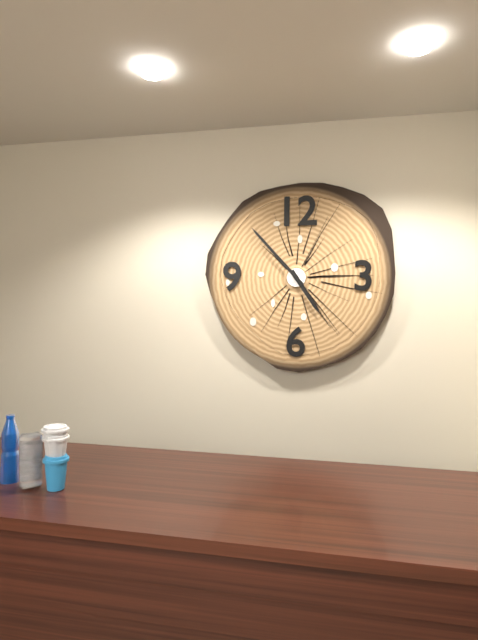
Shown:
4 h 53 min
